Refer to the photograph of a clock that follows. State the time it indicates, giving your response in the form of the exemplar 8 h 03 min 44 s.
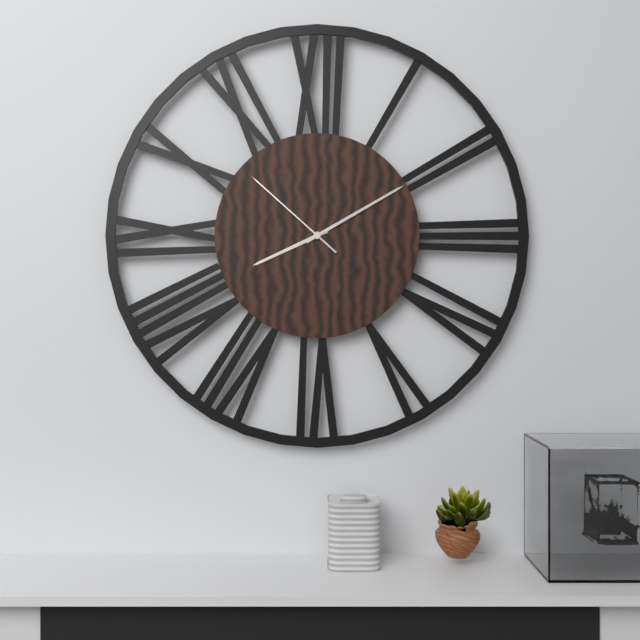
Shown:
8 h 10 min 52 s
